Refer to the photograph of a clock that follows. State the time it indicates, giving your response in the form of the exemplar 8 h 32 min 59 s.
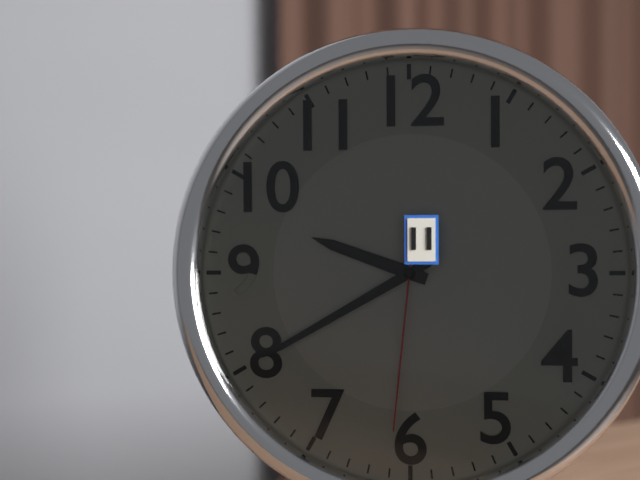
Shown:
9 h 40 min 31 s
